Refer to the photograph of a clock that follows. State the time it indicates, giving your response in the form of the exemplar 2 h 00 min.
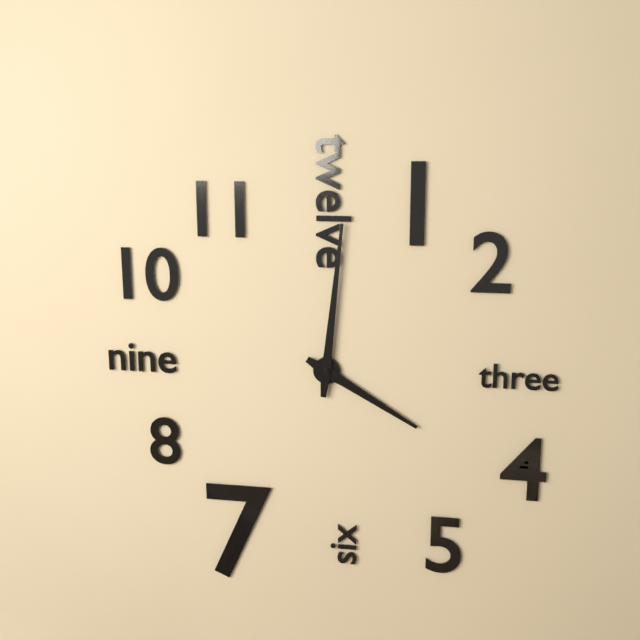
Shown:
4 h 01 min
